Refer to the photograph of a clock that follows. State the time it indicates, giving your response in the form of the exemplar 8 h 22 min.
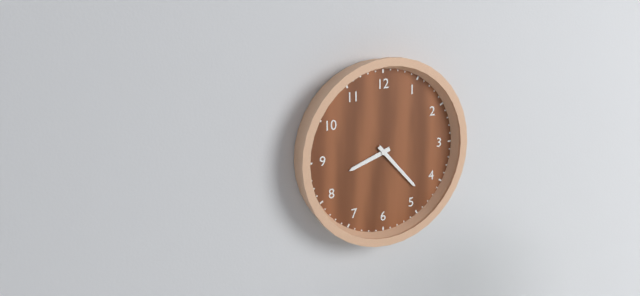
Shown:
8 h 23 min
